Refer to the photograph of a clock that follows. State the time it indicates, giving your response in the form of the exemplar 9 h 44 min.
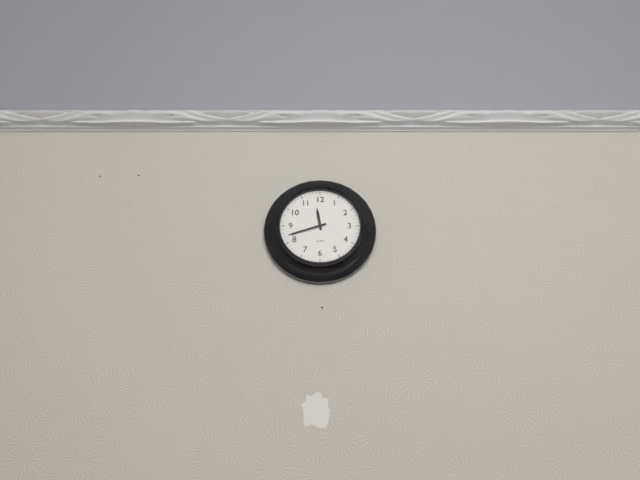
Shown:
11 h 42 min
